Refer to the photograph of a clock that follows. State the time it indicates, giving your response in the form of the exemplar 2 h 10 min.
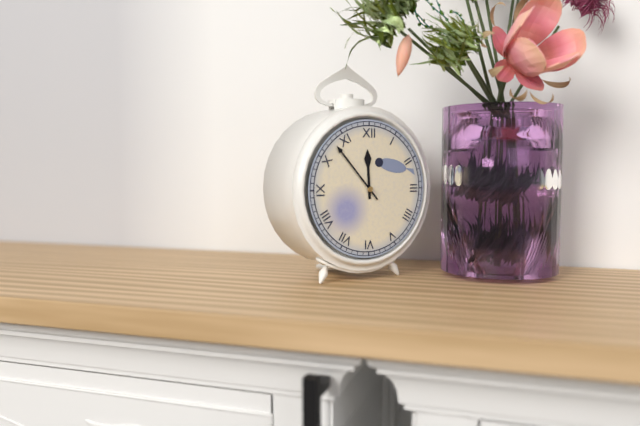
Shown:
11 h 53 min
